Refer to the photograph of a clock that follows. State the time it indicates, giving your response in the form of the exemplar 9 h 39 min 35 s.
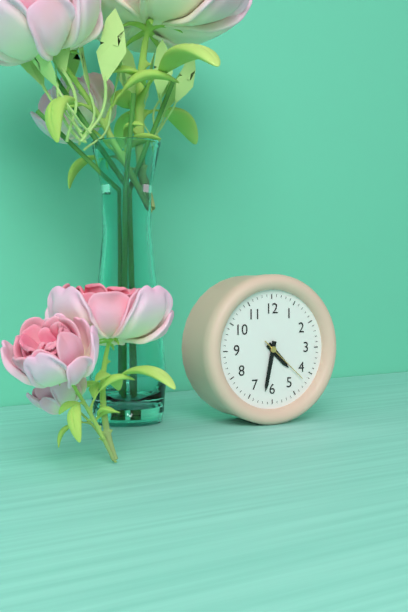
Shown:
4 h 32 min 22 s
